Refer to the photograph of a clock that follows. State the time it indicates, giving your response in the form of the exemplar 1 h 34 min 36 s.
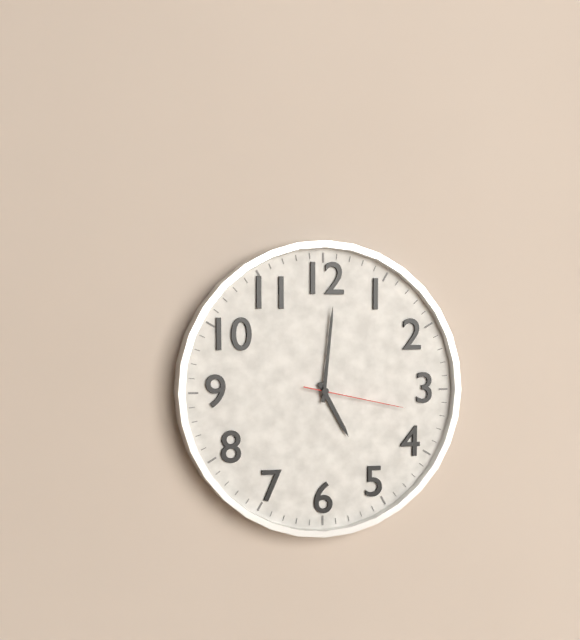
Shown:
5 h 01 min 17 s
